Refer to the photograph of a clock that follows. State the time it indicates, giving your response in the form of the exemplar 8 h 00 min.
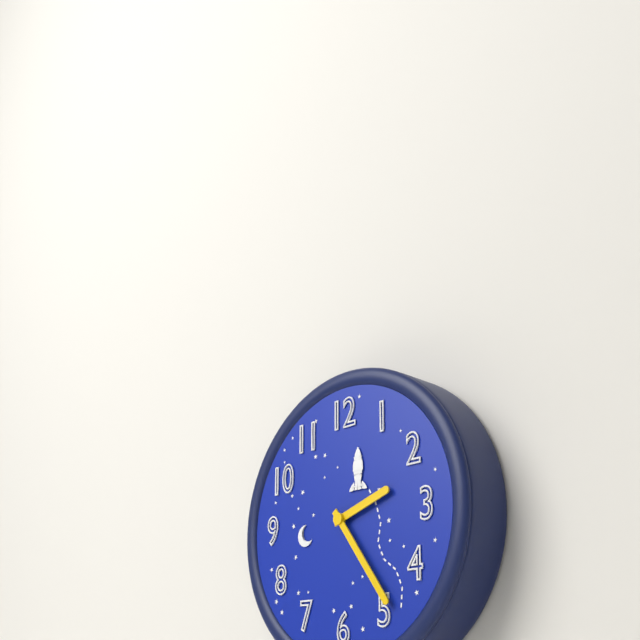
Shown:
2 h 24 min
